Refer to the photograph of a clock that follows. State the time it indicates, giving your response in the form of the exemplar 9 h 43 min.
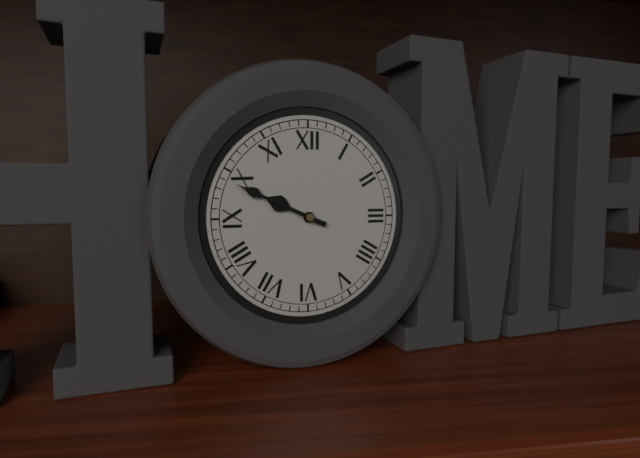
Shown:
9 h 49 min
